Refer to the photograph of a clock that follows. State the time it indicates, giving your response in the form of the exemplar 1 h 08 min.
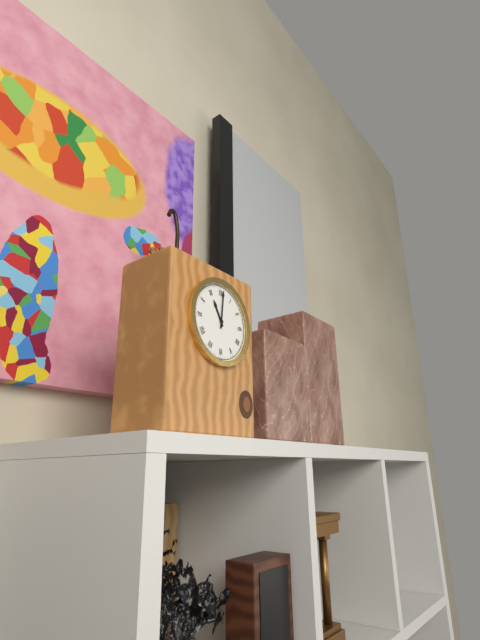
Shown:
11 h 01 min
